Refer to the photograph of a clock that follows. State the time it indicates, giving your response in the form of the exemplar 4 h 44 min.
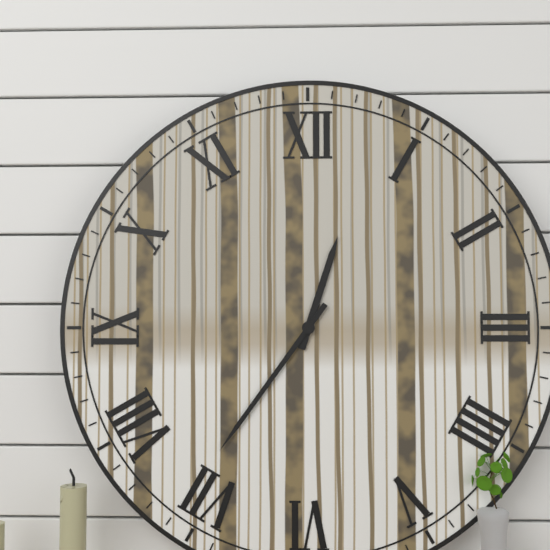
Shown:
12 h 36 min
